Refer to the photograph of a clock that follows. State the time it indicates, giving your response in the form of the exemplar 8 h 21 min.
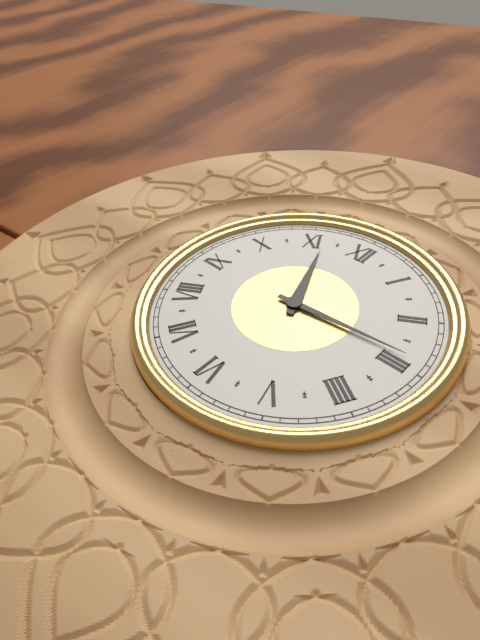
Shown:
11 h 14 min
